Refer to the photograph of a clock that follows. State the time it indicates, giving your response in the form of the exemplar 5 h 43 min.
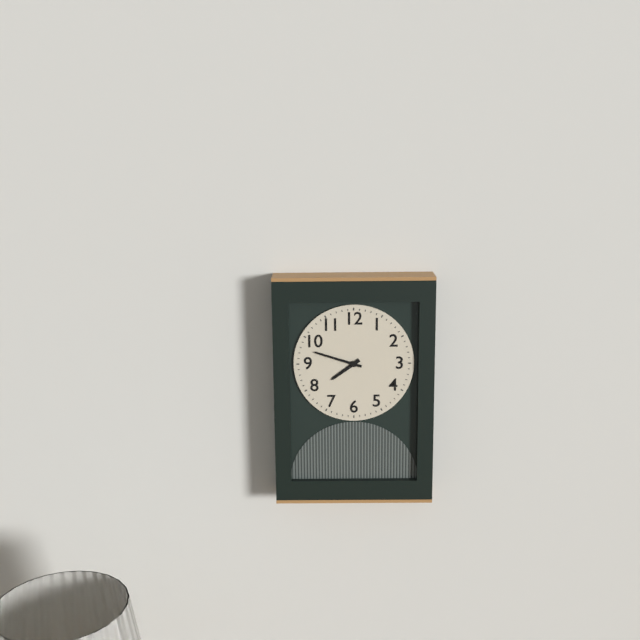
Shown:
7 h 48 min
